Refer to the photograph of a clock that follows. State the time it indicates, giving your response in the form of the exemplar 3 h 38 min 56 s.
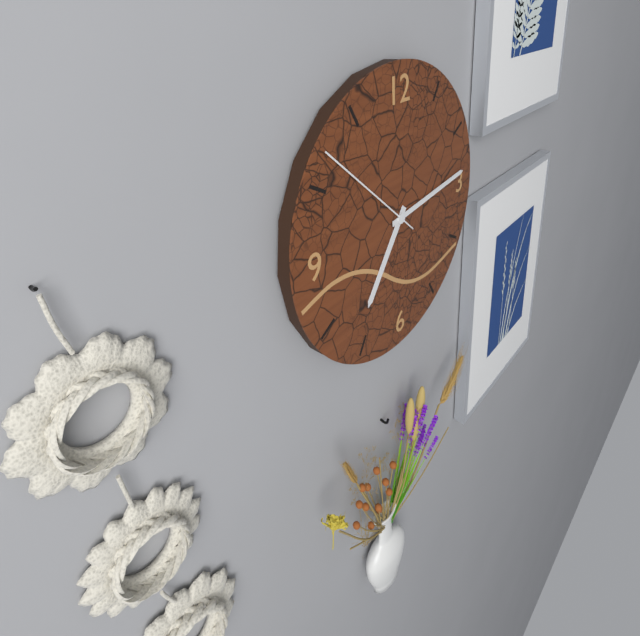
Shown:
7 h 14 min 52 s
